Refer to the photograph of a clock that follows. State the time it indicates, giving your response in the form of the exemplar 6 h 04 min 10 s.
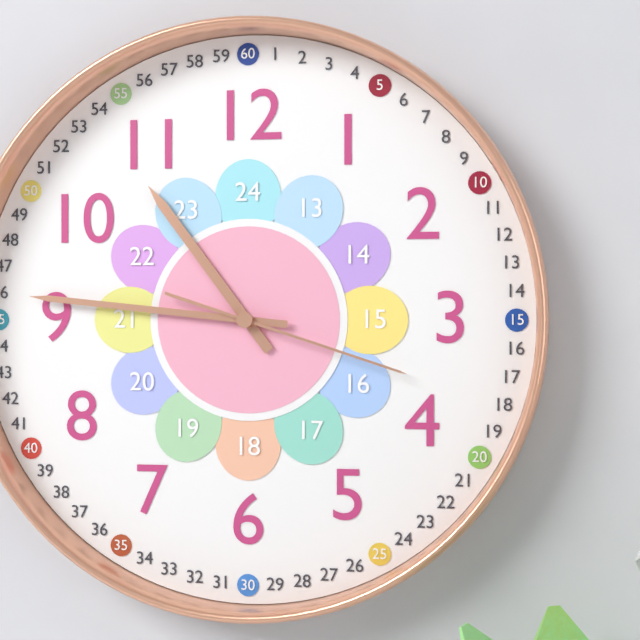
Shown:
10 h 46 min 18 s
